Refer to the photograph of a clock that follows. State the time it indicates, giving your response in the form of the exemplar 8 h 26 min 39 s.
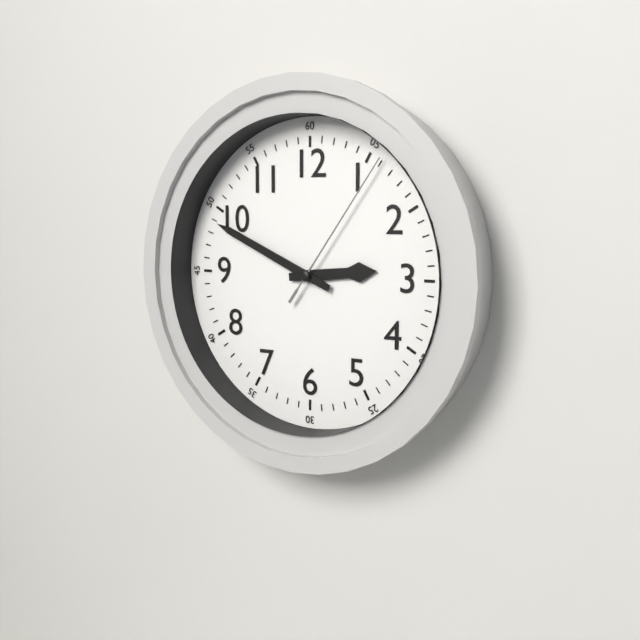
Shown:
2 h 49 min 06 s
